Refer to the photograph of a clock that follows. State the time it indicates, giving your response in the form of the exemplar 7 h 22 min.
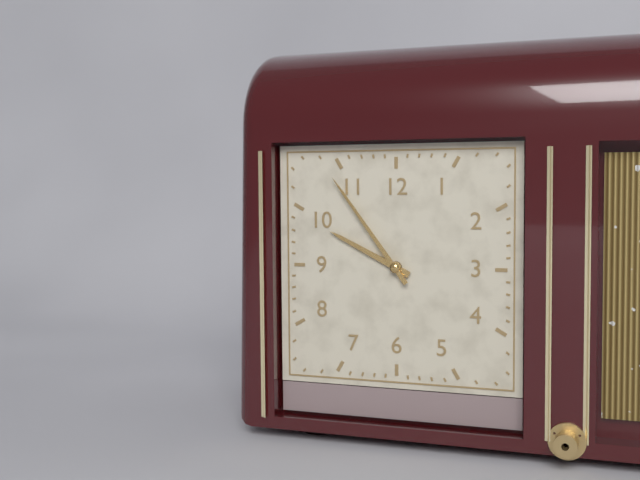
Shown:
9 h 54 min
